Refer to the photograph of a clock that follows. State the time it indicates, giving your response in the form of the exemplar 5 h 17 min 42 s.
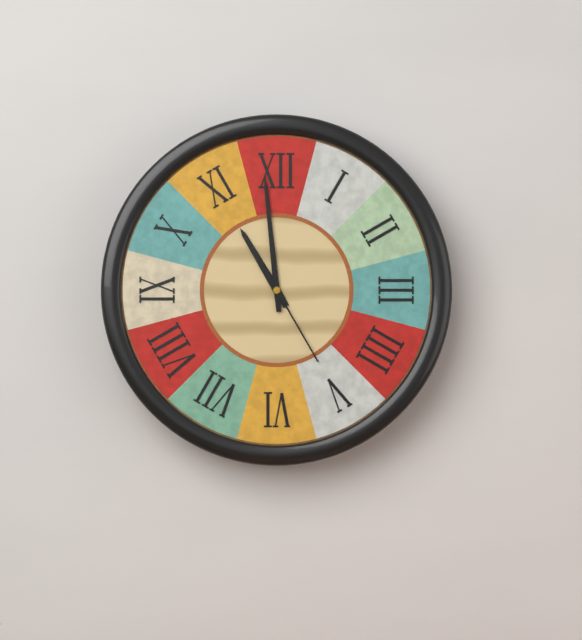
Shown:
10 h 59 min 25 s
